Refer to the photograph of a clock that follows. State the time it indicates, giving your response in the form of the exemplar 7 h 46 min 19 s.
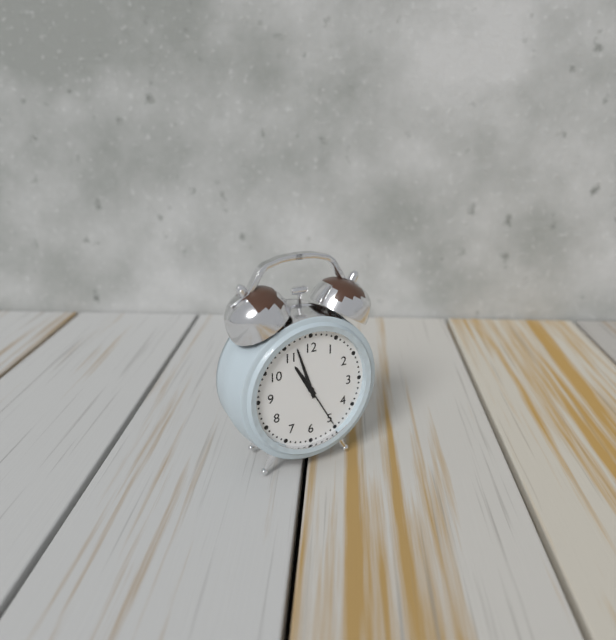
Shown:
10 h 57 min 25 s
